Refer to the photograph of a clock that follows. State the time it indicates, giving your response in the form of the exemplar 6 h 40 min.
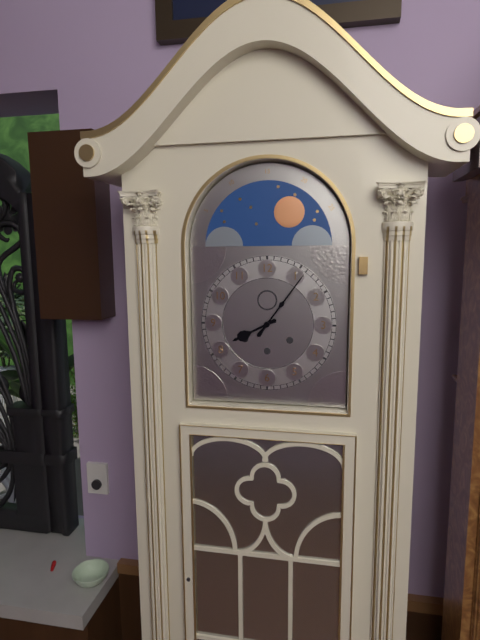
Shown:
8 h 06 min
